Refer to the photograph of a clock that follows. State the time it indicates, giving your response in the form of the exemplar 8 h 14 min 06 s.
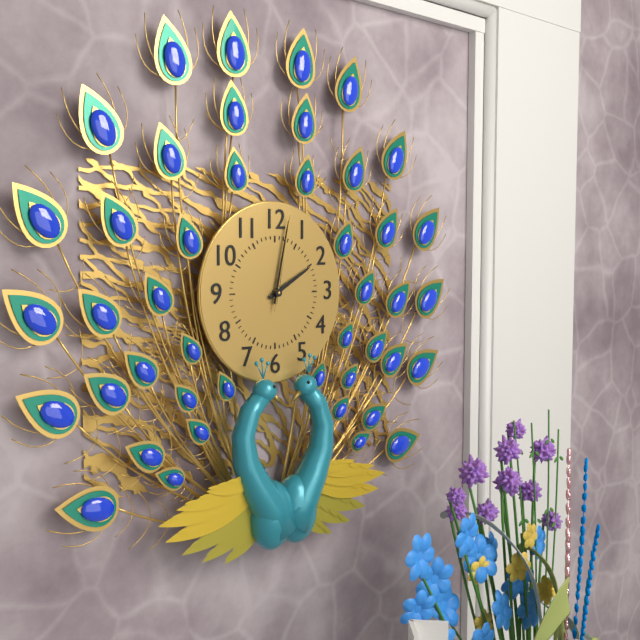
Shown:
2 h 02 min 02 s
